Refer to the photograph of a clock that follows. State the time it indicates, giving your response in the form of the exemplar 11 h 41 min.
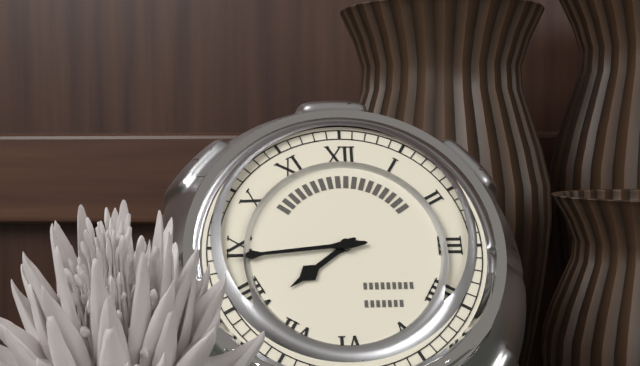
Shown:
7 h 44 min
